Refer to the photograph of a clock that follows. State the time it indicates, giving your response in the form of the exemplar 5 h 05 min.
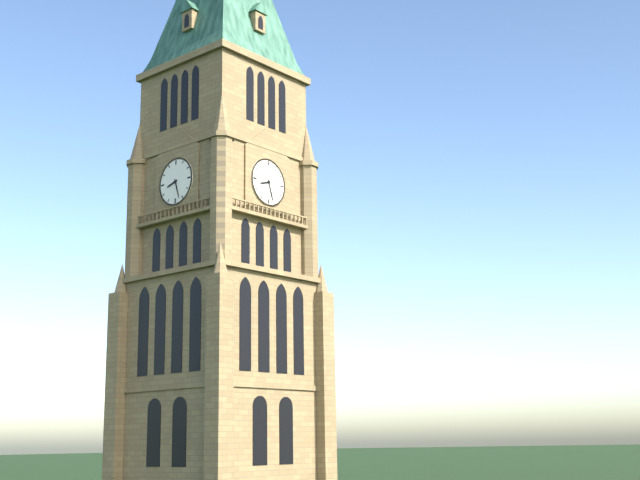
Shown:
8 h 27 min
